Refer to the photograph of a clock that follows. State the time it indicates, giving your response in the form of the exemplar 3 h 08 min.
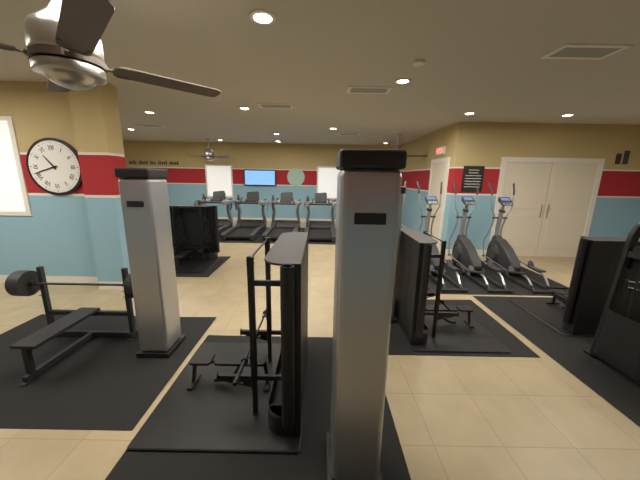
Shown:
10 h 42 min
